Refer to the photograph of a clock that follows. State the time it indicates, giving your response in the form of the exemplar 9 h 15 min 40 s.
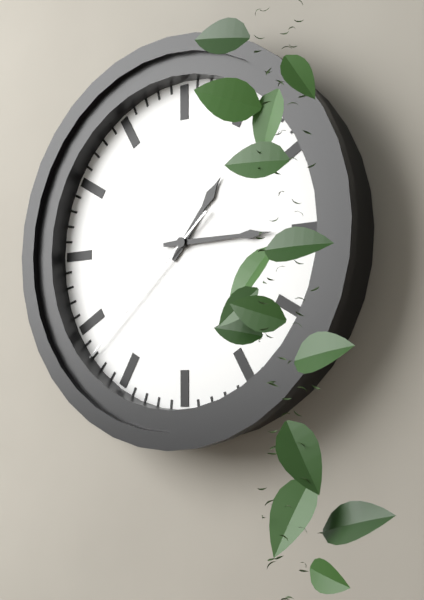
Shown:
1 h 15 min 38 s
